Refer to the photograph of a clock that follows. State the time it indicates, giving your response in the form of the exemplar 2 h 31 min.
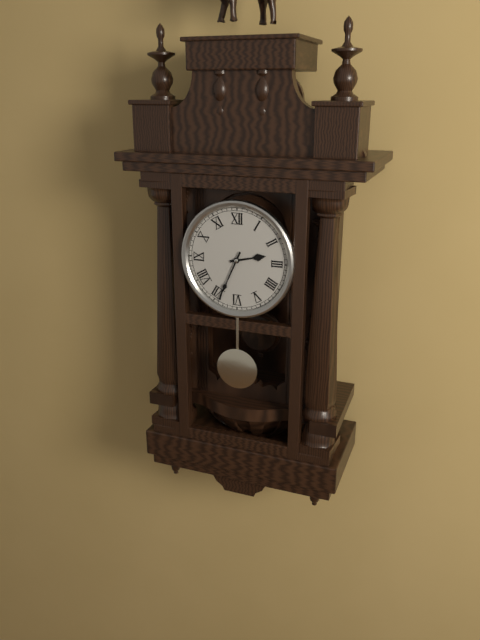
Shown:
2 h 34 min
